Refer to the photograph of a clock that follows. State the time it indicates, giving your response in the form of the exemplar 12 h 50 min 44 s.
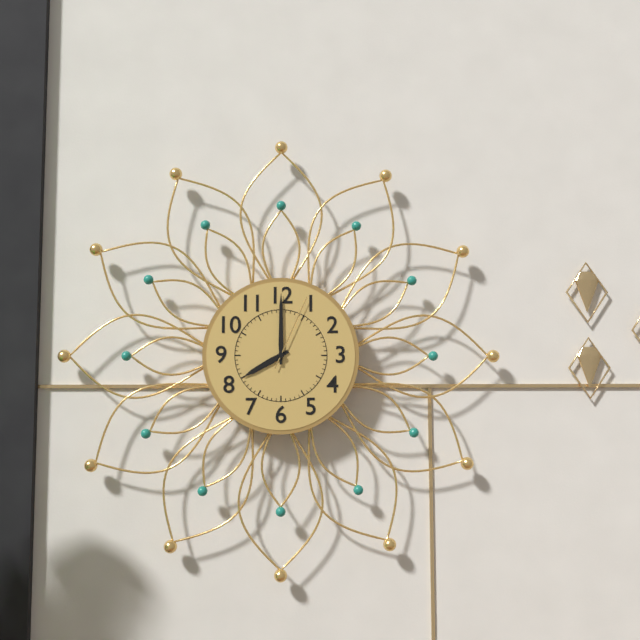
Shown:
8 h 00 min 04 s
